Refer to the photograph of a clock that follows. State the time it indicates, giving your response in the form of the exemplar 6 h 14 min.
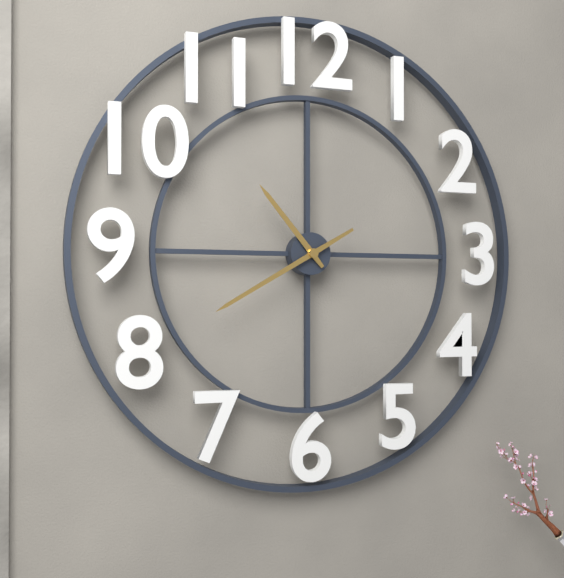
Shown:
10 h 40 min
